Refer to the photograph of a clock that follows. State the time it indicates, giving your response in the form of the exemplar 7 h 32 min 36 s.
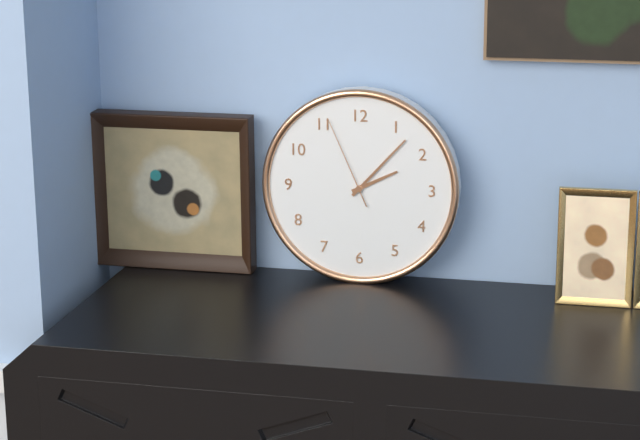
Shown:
2 h 07 min 56 s
